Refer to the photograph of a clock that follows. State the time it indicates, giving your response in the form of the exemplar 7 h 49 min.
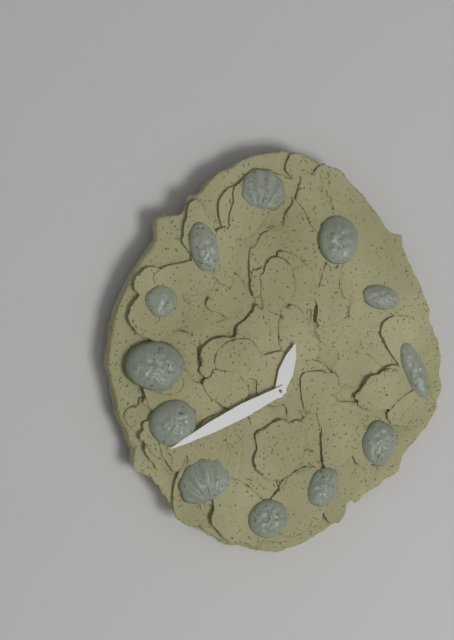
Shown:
12 h 41 min
